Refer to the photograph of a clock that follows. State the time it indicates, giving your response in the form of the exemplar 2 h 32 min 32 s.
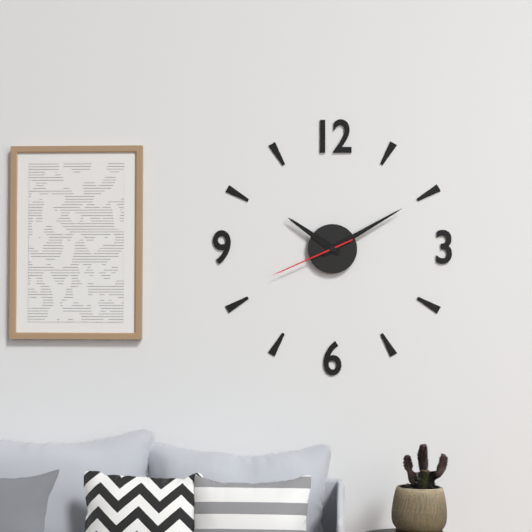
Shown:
10 h 10 min 41 s
